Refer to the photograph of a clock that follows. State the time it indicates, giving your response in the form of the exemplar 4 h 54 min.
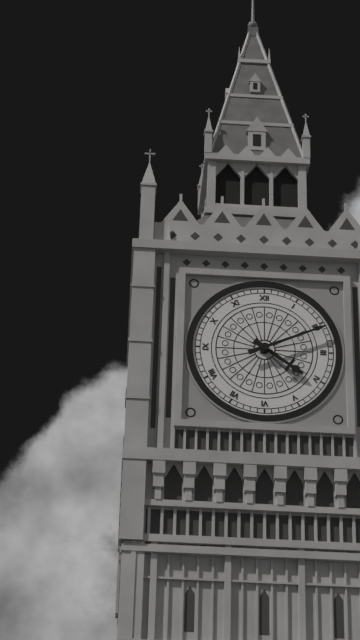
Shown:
4 h 11 min
